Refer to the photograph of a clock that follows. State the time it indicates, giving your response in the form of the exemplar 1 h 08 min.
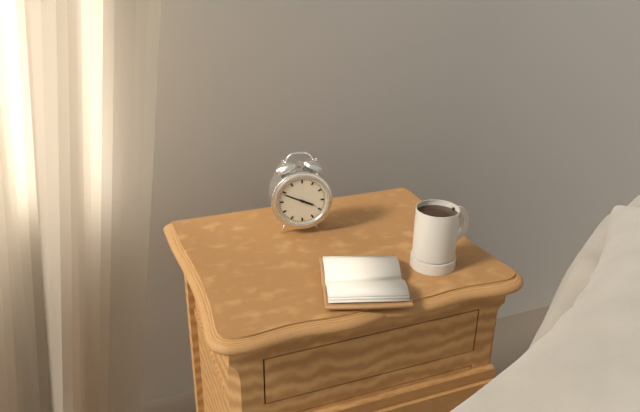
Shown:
3 h 49 min
